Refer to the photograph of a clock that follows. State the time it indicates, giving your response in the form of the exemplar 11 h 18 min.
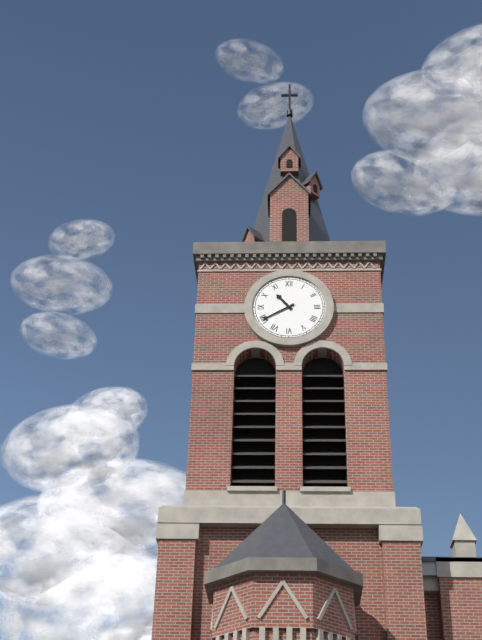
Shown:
10 h 40 min
